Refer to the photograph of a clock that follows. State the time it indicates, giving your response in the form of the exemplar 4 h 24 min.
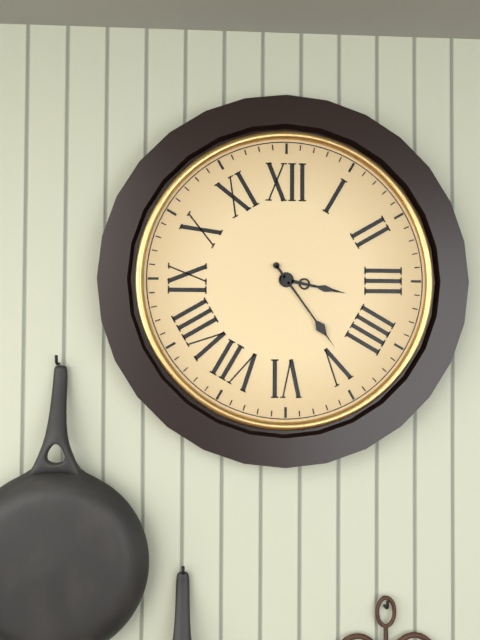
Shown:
3 h 24 min
